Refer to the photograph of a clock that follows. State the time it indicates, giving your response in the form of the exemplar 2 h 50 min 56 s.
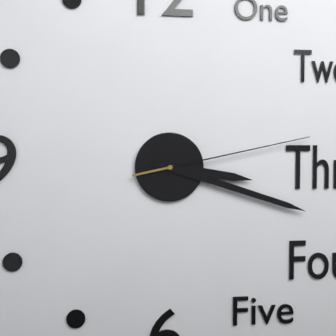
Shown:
3 h 18 min 13 s
